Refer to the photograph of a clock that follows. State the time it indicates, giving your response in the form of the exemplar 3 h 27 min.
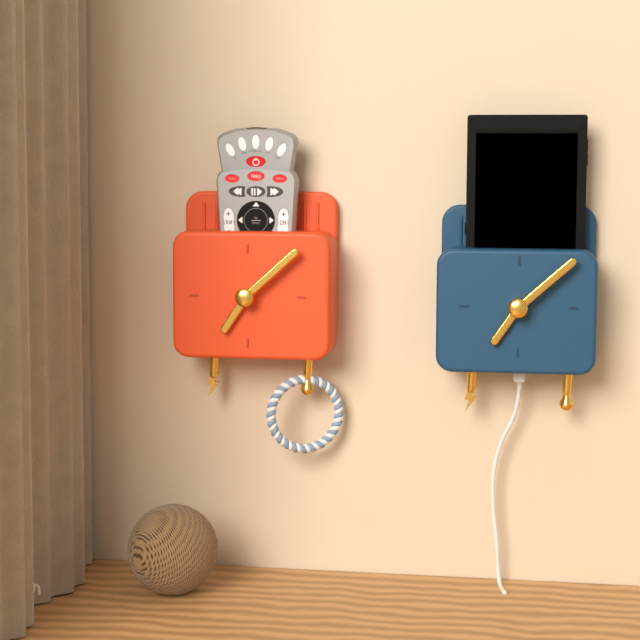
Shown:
7 h 08 min
